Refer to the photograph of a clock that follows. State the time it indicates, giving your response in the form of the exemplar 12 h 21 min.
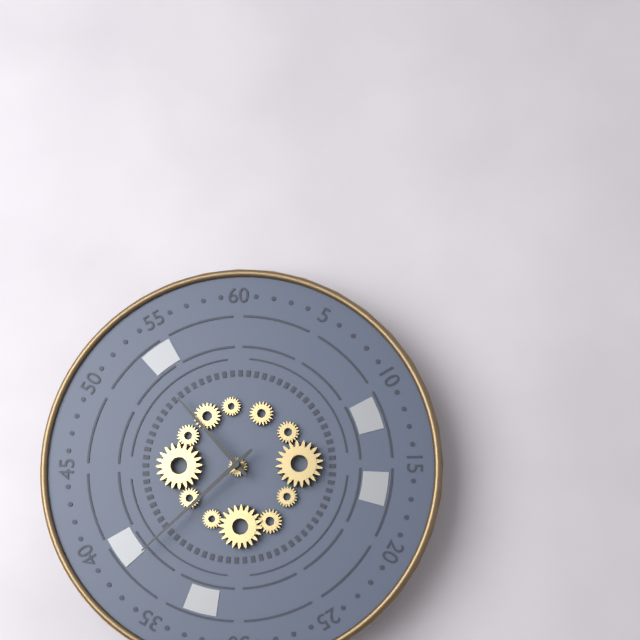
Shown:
10 h 38 min
